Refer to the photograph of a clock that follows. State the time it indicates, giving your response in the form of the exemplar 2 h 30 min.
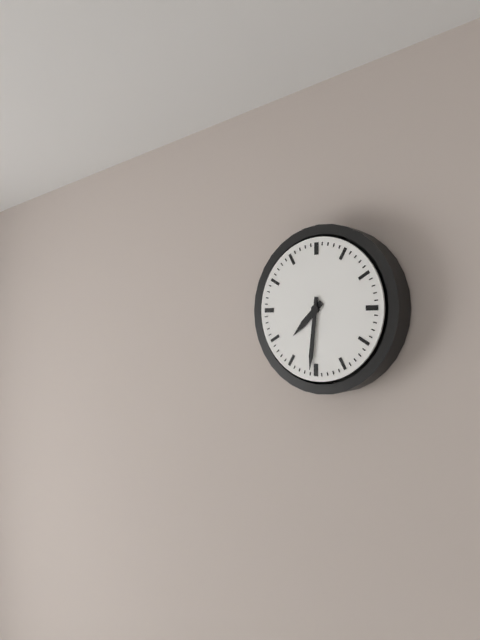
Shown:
7 h 31 min
